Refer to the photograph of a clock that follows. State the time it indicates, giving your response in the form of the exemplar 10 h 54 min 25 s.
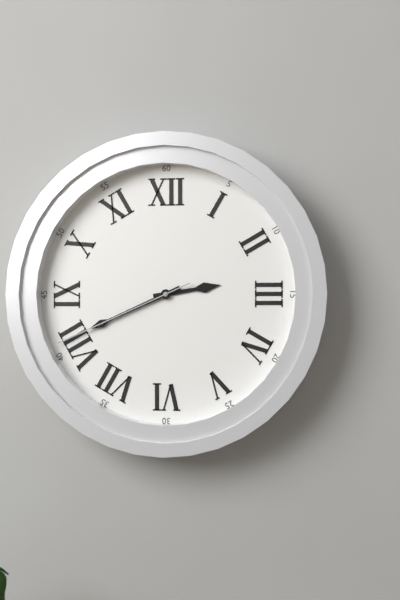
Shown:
2 h 41 min 41 s
